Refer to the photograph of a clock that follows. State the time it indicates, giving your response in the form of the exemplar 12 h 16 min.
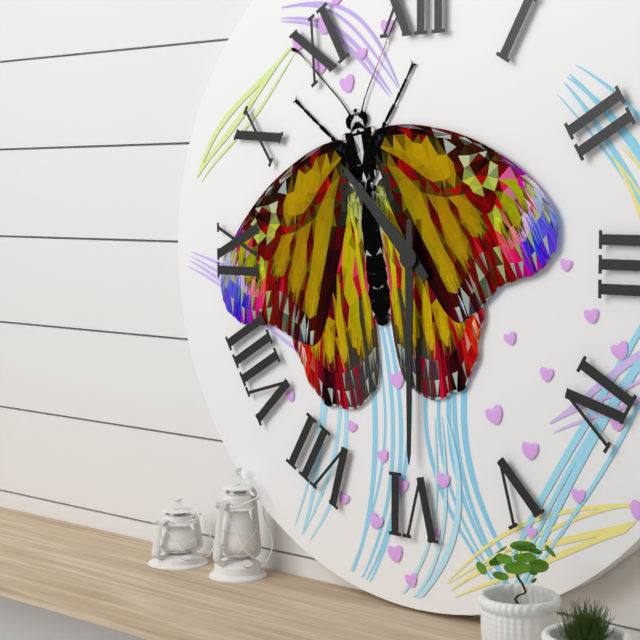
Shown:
10 h 30 min
